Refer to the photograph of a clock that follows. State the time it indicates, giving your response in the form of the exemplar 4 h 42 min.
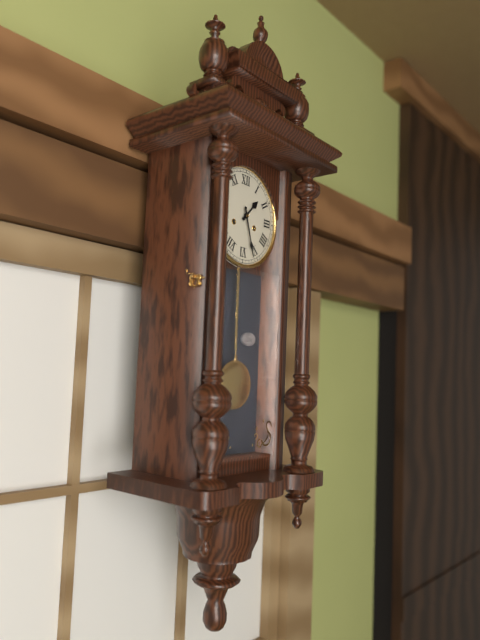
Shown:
1 h 27 min
